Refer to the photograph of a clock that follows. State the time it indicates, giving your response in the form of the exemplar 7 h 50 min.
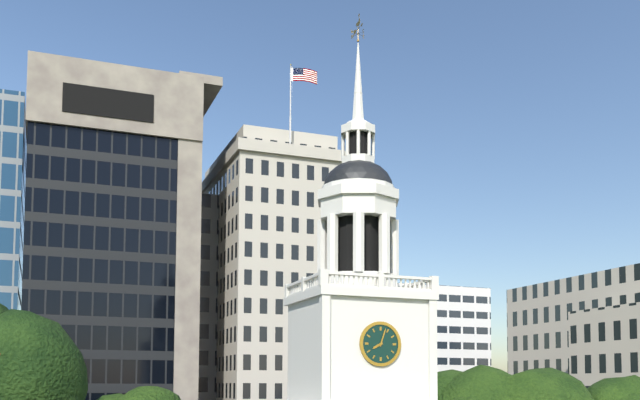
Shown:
8 h 03 min
